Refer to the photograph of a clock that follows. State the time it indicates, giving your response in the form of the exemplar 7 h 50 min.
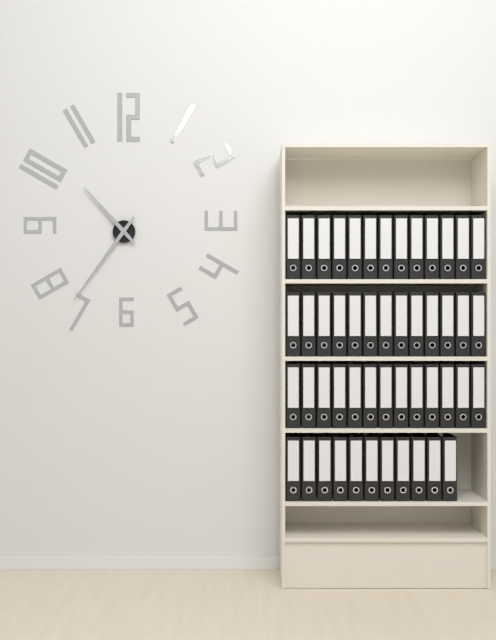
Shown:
10 h 36 min
